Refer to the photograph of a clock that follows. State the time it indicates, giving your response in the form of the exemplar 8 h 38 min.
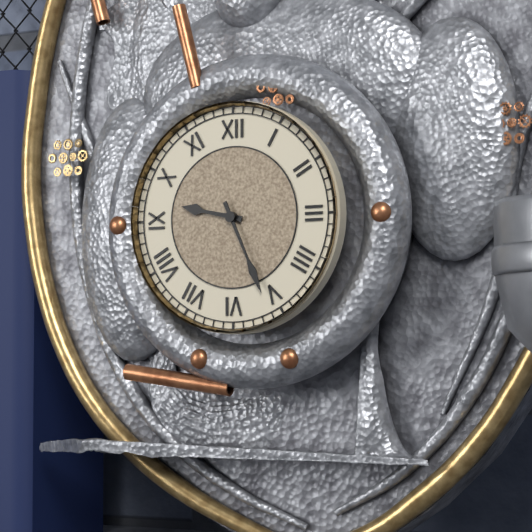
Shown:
9 h 26 min
